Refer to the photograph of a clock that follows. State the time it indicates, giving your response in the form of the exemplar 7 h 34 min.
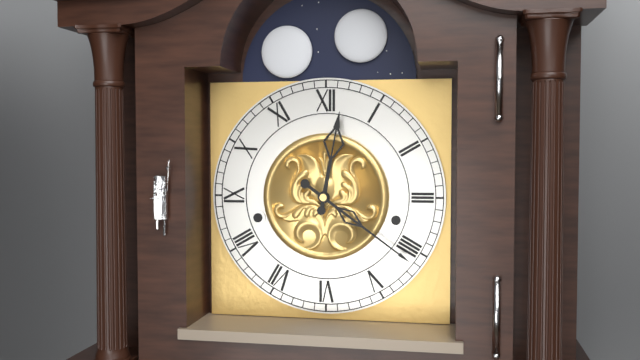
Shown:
12 h 21 min
